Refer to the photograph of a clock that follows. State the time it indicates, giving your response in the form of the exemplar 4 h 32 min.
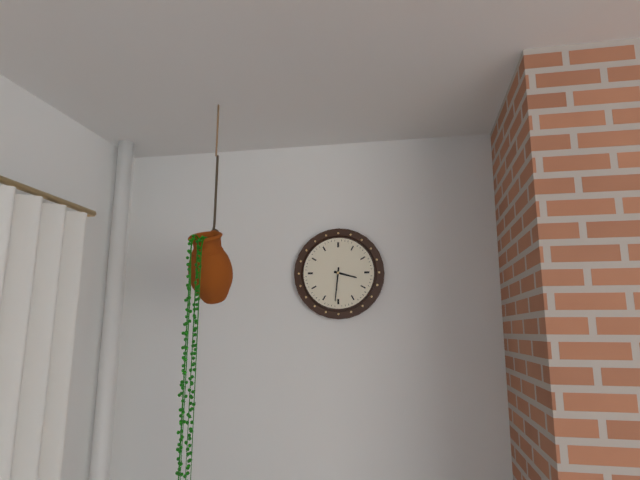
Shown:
3 h 31 min
